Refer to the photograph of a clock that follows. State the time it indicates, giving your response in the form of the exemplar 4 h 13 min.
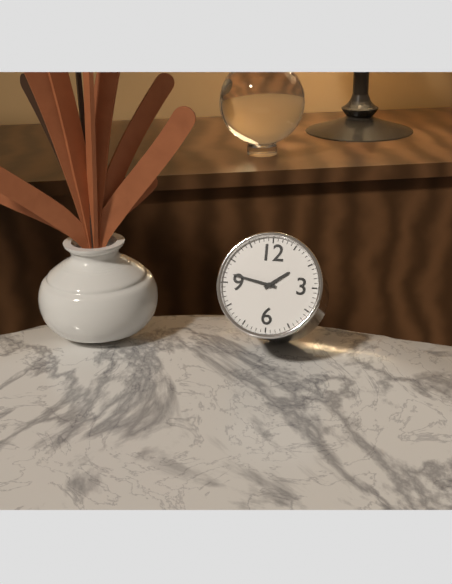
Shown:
1 h 47 min
